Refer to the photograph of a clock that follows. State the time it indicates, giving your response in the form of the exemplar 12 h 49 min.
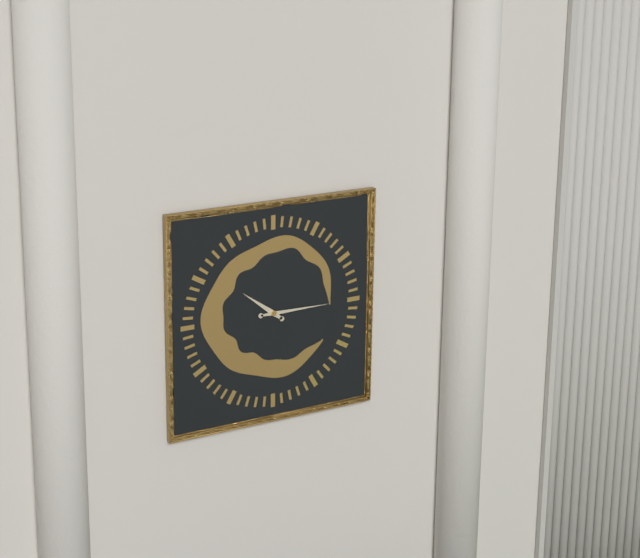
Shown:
10 h 15 min
